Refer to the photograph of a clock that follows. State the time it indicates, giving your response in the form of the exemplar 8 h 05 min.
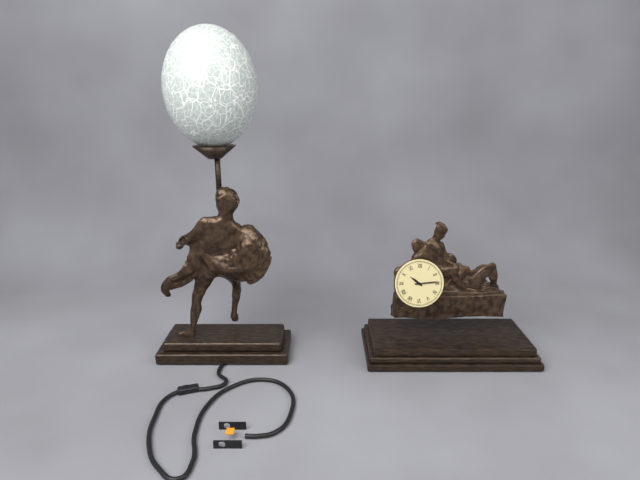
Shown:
10 h 14 min
